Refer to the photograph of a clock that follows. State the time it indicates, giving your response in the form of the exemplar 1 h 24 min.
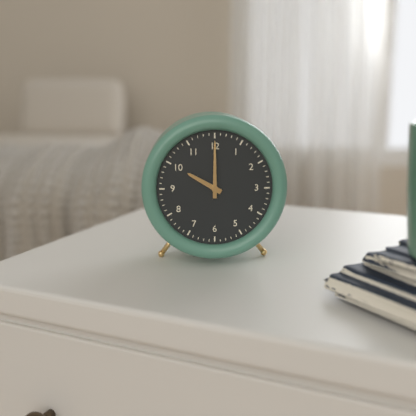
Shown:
10 h 00 min
